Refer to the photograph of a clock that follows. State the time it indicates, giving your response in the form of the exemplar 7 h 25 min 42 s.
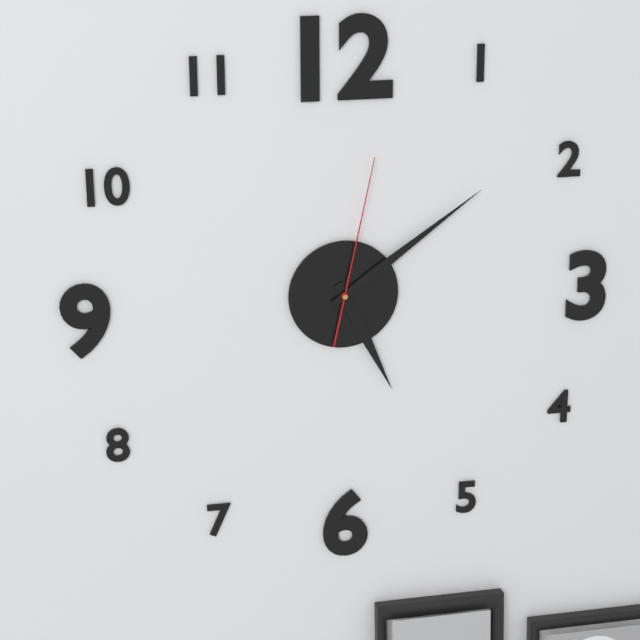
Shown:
5 h 09 min 02 s
